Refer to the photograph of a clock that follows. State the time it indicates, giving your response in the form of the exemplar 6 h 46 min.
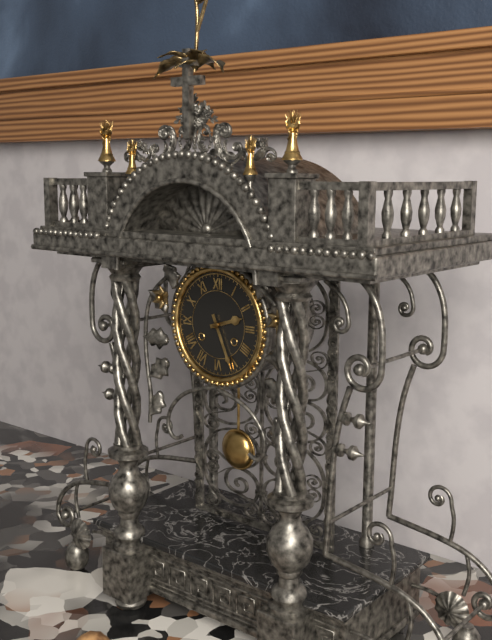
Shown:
2 h 26 min
